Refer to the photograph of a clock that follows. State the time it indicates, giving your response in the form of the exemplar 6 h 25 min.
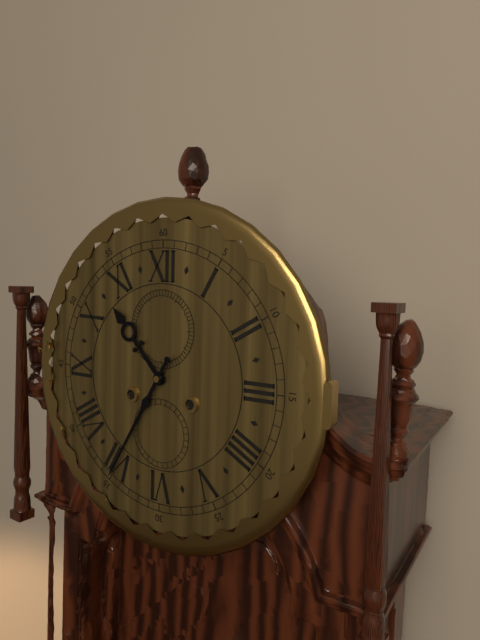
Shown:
10 h 35 min
